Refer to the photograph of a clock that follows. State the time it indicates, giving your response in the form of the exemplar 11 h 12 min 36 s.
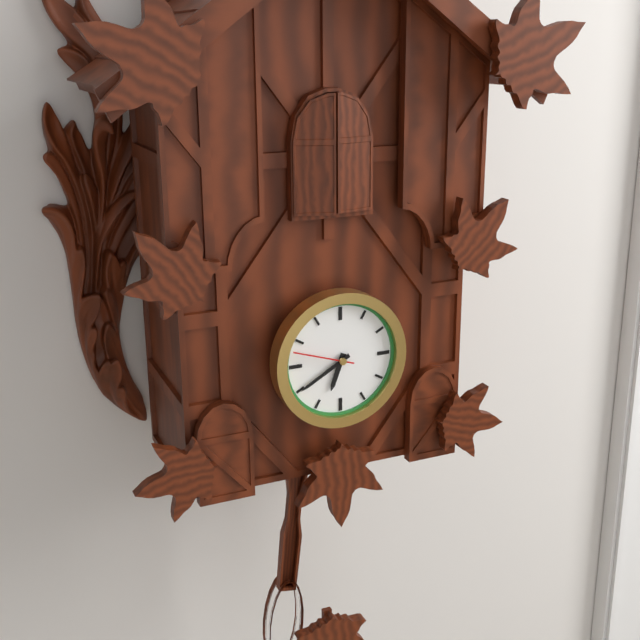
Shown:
6 h 40 min 48 s
